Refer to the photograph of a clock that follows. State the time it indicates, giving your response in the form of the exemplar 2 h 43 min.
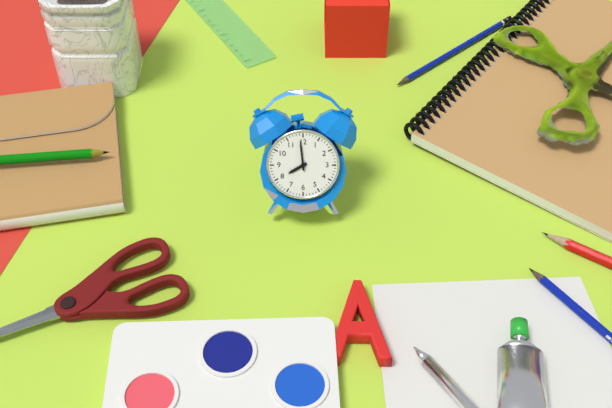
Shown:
7 h 59 min
